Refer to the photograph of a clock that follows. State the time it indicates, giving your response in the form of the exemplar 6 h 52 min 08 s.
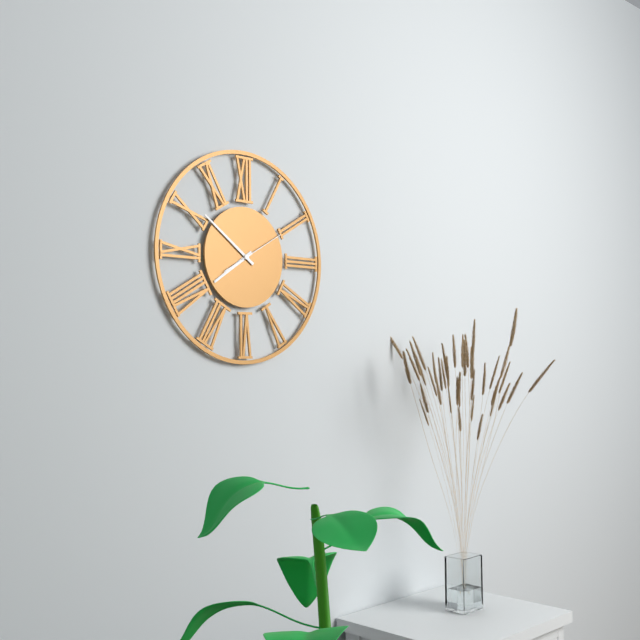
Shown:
7 h 51 min 10 s
